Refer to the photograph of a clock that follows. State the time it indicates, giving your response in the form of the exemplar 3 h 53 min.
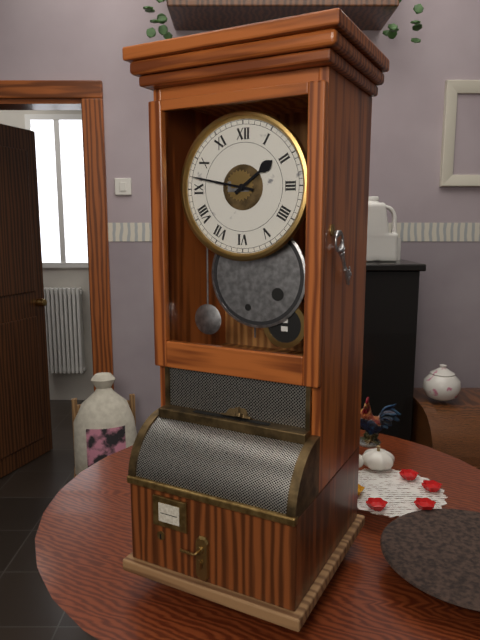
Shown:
1 h 47 min
